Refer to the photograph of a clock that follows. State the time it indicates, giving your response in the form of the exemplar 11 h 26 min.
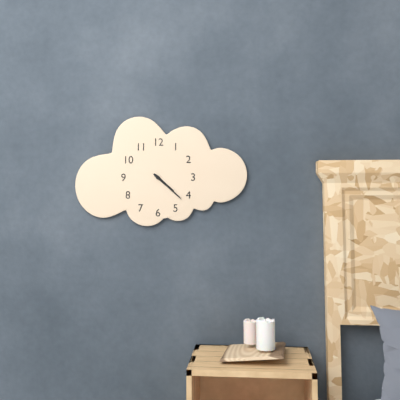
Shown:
4 h 22 min
